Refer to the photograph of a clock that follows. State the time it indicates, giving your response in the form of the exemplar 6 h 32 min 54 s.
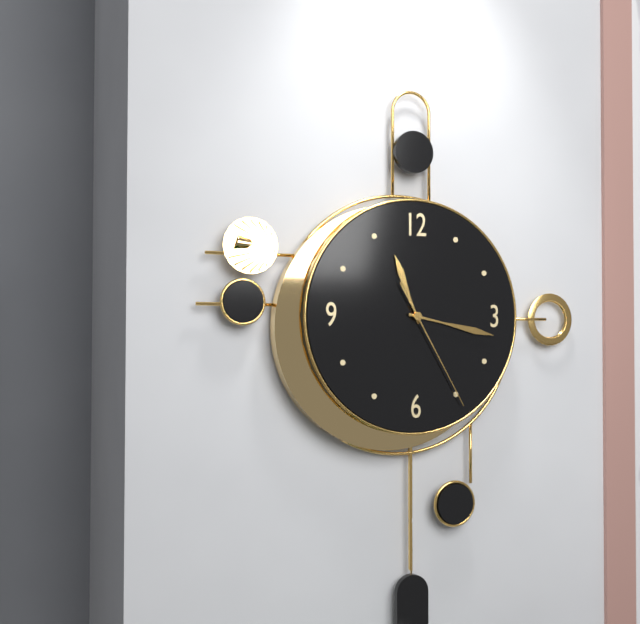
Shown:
11 h 17 min 25 s
